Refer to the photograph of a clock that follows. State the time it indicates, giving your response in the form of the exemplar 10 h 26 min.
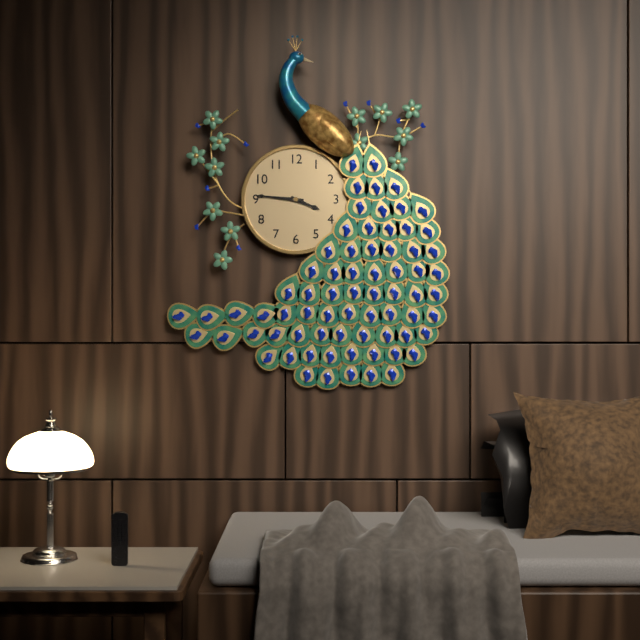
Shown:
3 h 46 min
